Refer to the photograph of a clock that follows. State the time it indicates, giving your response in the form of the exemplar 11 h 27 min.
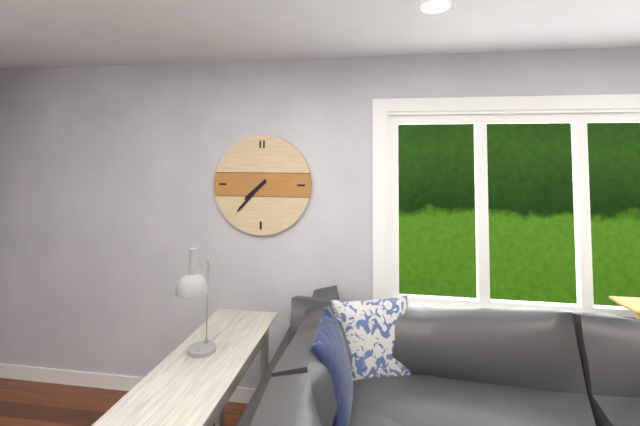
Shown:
7 h 37 min
